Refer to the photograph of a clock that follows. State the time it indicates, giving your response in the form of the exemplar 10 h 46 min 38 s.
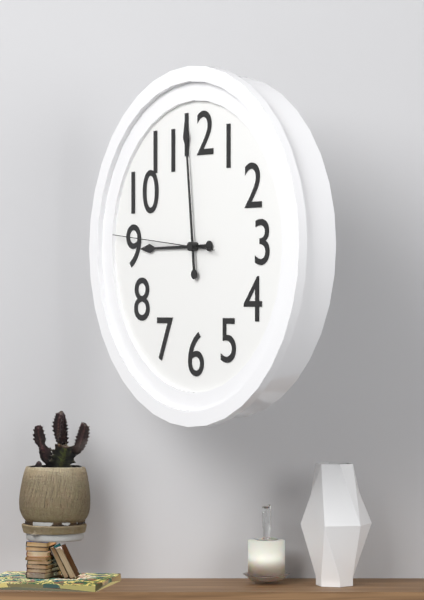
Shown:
8 h 59 min 46 s
